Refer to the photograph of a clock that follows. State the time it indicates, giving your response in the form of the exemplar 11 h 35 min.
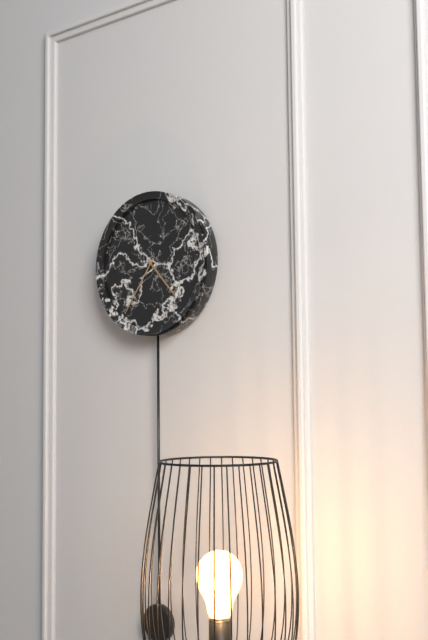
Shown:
4 h 36 min
